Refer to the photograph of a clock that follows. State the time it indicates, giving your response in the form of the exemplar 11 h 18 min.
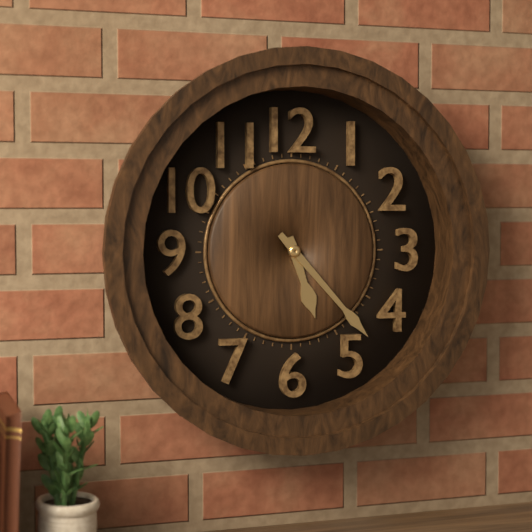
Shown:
5 h 23 min
